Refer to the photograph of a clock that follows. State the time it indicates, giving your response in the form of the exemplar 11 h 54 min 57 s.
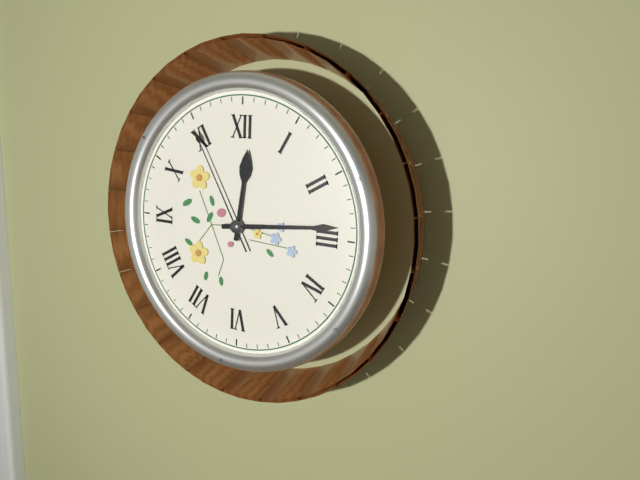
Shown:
12 h 14 min 55 s
